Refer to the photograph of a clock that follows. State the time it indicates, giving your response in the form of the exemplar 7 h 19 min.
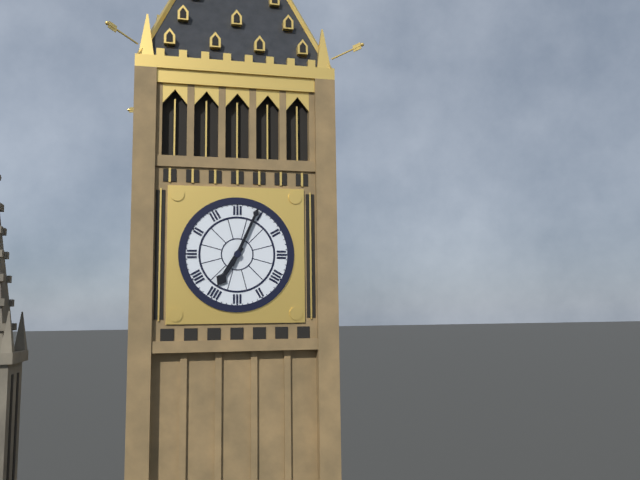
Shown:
7 h 04 min
